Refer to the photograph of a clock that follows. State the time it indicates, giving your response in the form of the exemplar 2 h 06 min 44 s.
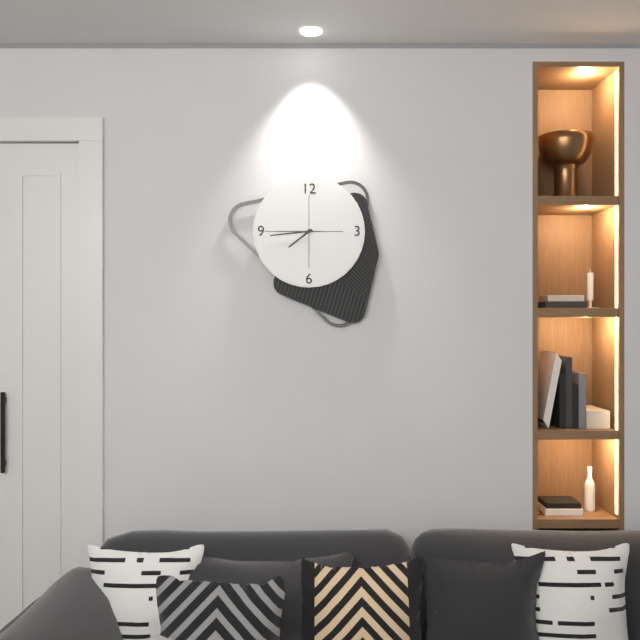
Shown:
7 h 44 min 45 s
